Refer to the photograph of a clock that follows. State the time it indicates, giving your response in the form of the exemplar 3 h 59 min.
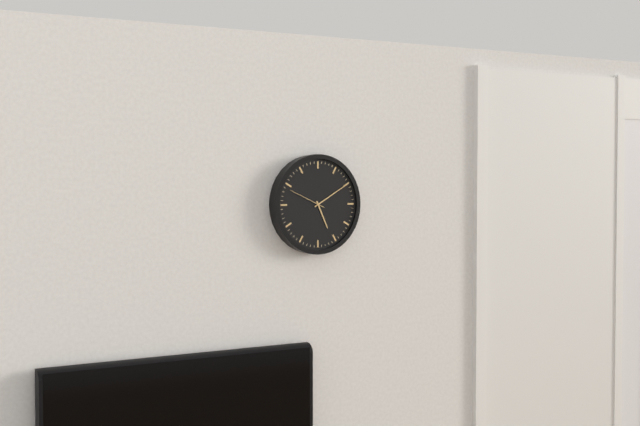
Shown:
5 h 10 min
